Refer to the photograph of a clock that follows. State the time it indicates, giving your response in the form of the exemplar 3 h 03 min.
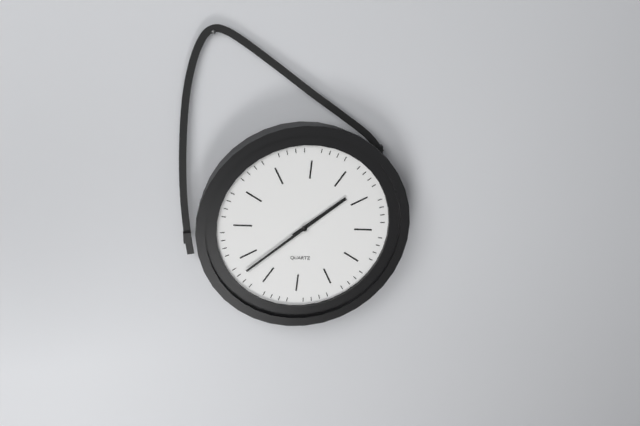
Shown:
1 h 38 min
